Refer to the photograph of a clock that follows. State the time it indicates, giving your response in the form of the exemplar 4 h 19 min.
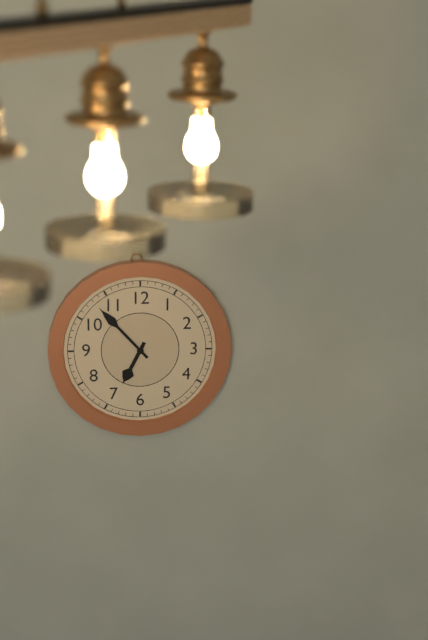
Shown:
6 h 53 min
